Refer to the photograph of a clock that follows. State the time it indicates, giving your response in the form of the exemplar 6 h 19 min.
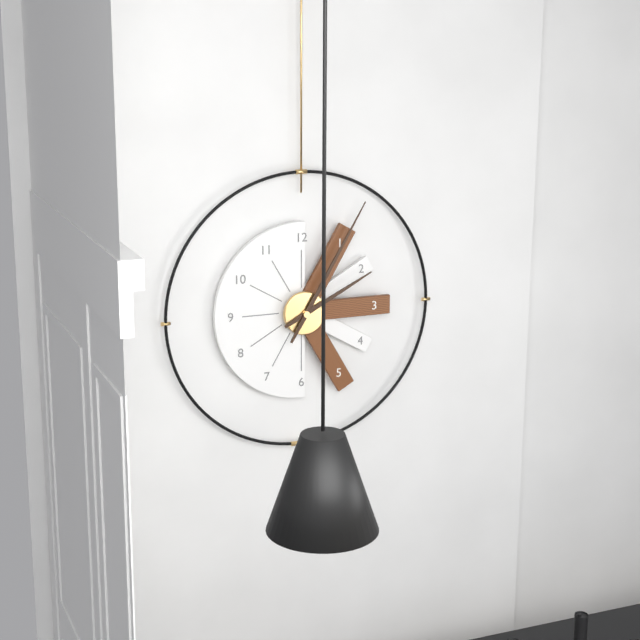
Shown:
2 h 05 min
